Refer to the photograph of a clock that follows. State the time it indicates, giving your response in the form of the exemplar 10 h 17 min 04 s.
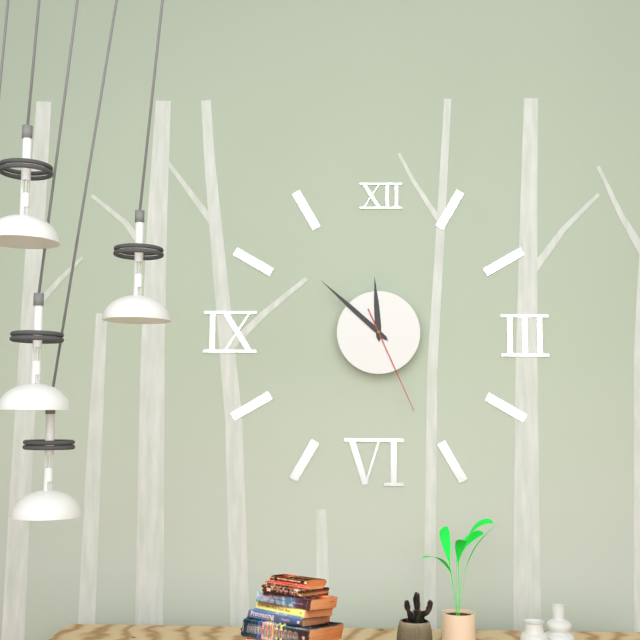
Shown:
11 h 52 min 26 s
